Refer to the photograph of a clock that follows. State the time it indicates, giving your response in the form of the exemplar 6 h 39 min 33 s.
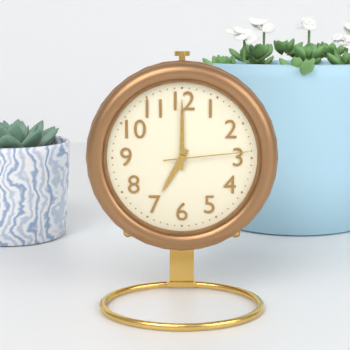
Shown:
7 h 00 min 14 s
